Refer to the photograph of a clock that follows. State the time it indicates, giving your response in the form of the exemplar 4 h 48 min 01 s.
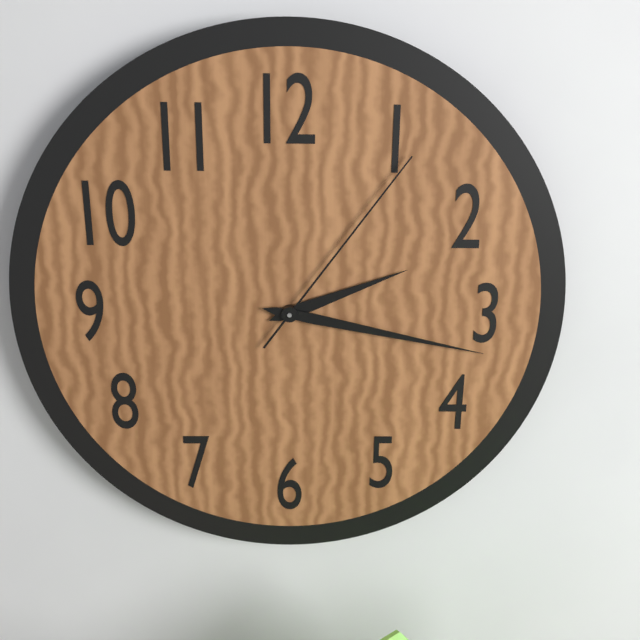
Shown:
2 h 17 min 06 s
